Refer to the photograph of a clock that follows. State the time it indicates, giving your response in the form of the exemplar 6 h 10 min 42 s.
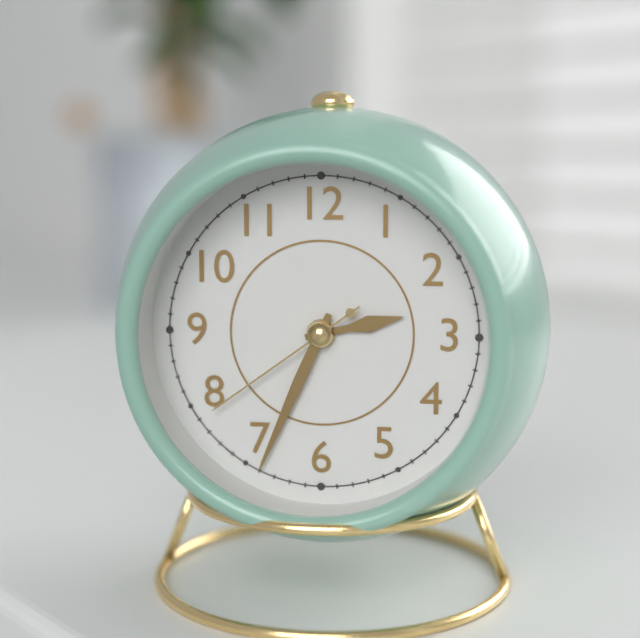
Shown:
2 h 34 min 39 s
